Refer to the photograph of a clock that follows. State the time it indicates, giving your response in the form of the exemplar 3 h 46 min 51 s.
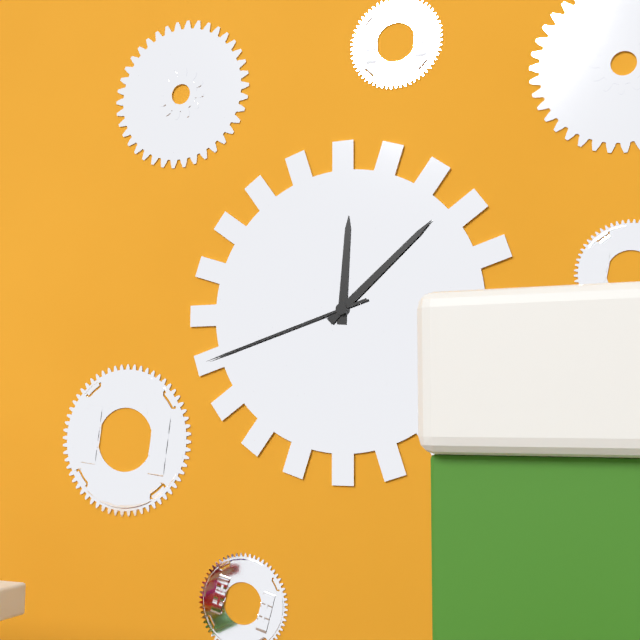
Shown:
12 h 08 min 42 s
